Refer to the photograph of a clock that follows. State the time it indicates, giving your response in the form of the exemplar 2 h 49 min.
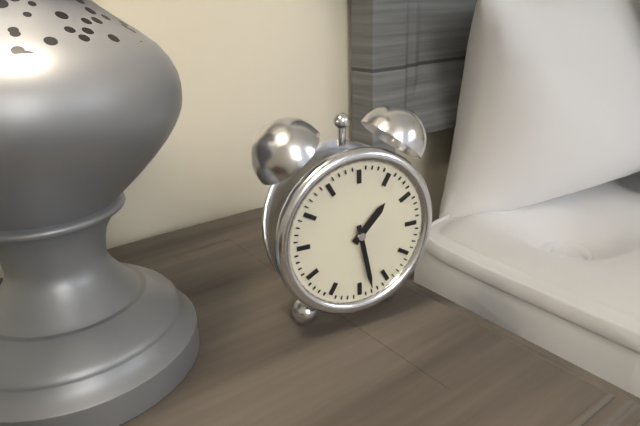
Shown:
1 h 28 min
